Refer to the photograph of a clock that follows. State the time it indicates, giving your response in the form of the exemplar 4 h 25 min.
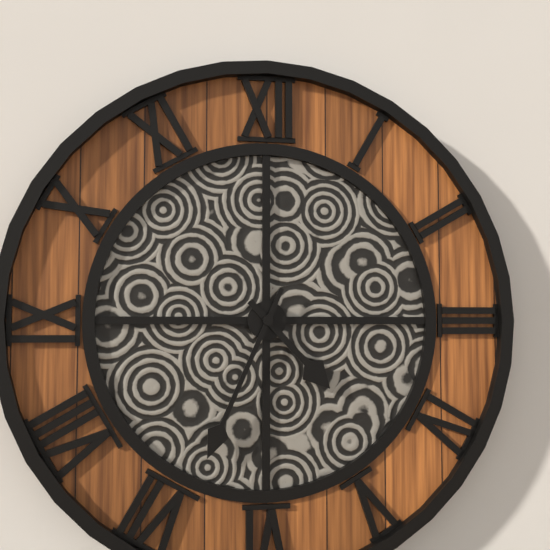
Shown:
4 h 34 min
